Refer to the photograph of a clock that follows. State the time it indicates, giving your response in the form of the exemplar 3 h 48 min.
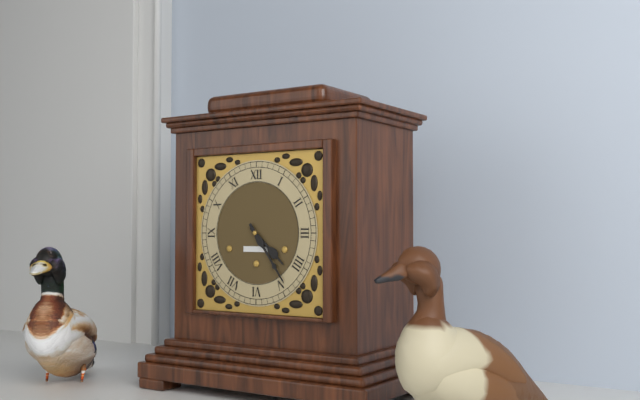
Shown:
4 h 24 min
